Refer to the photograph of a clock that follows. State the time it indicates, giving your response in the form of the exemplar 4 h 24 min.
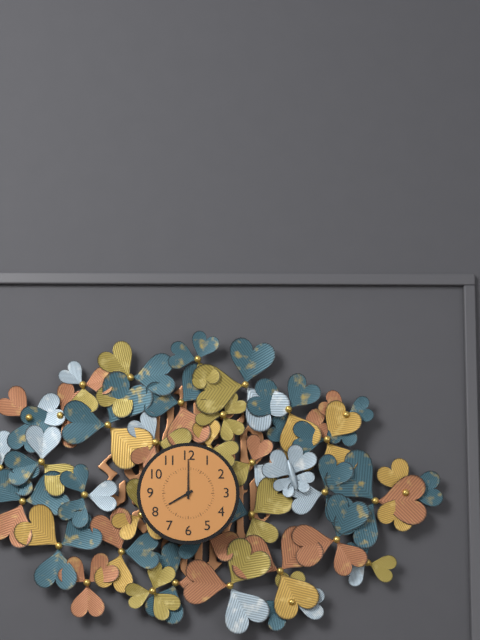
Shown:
8 h 00 min
